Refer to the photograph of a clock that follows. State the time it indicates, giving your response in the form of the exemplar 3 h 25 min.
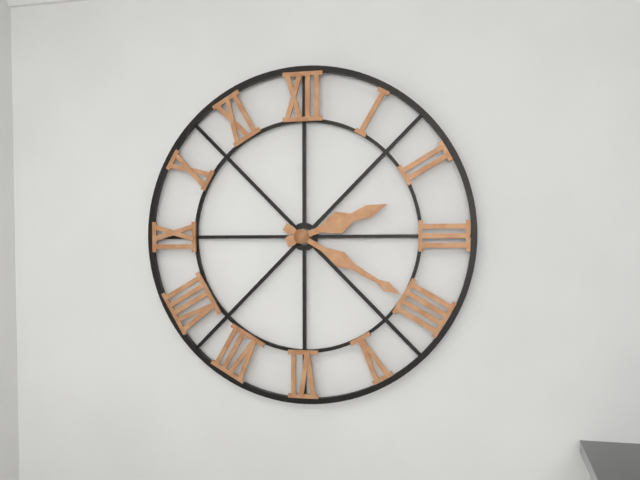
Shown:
2 h 20 min
